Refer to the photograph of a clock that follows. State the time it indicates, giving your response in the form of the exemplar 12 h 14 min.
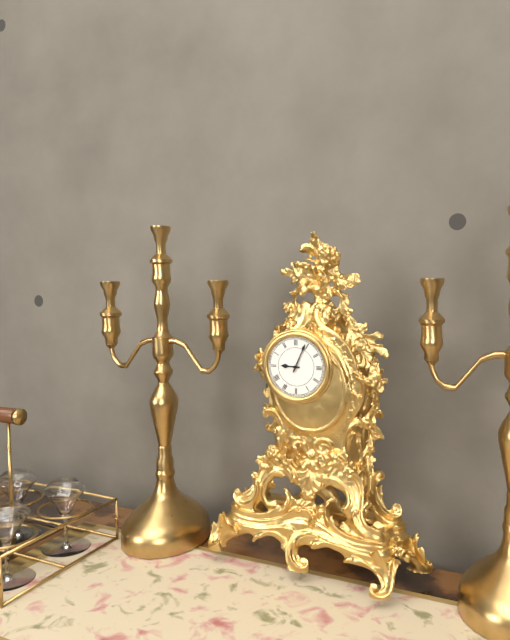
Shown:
9 h 04 min
